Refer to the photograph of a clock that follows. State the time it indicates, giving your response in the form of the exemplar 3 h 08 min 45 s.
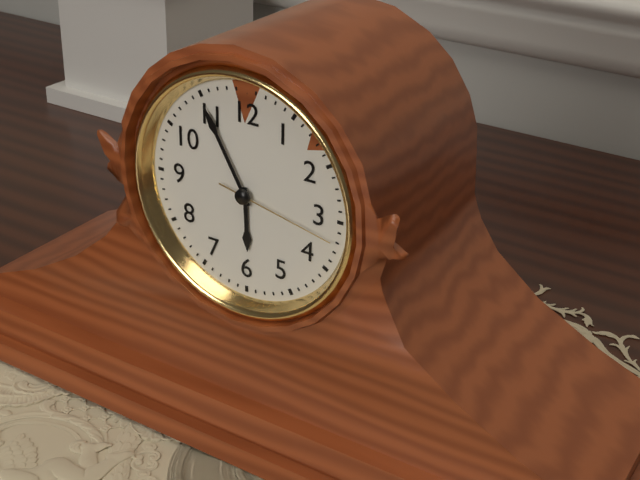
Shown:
5 h 55 min 17 s
